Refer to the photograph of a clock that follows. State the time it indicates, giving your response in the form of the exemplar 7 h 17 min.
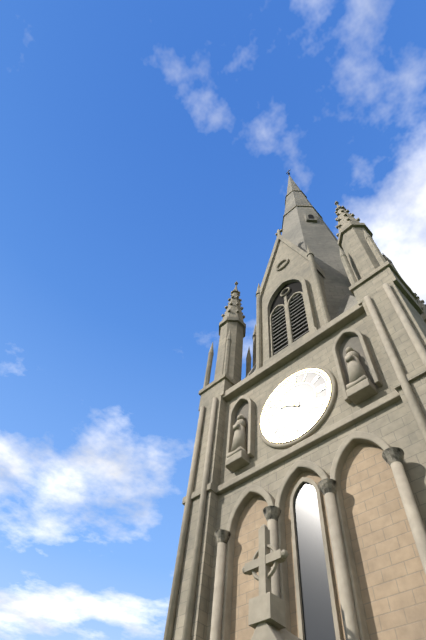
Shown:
9 h 53 min
